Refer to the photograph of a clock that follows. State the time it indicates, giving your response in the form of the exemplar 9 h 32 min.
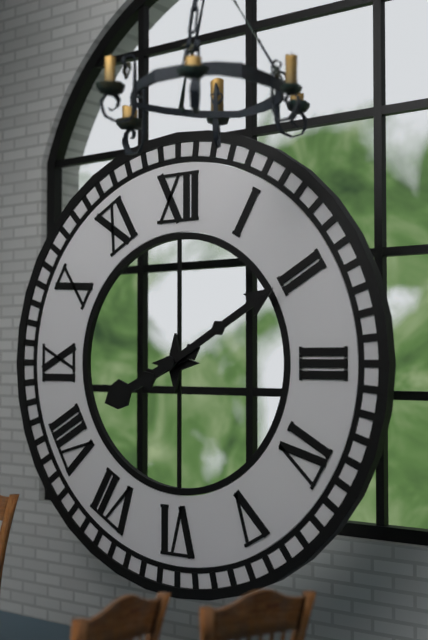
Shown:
8 h 10 min
